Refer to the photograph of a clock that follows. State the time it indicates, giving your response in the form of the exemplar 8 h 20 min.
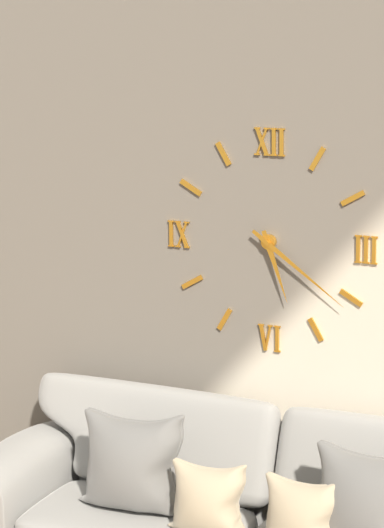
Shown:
5 h 21 min
